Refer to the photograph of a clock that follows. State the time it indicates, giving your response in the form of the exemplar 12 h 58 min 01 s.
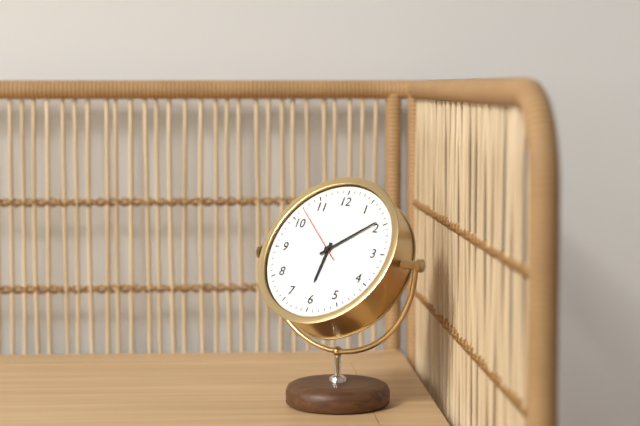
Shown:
6 h 09 min 52 s
